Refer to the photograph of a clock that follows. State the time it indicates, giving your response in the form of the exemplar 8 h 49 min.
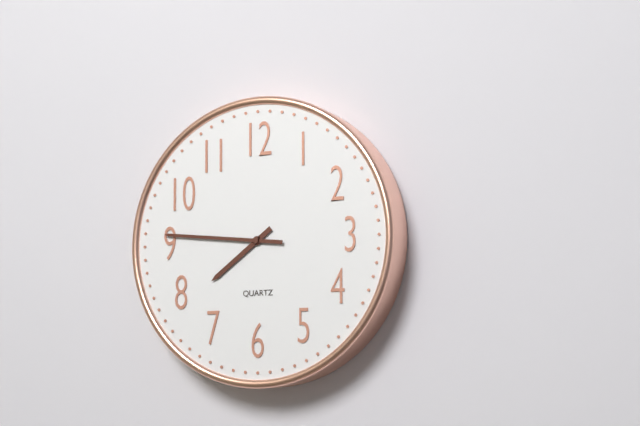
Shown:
7 h 46 min
